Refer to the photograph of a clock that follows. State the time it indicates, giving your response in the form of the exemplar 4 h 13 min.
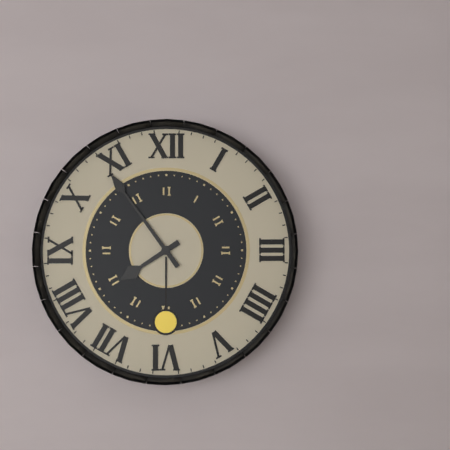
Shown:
7 h 54 min
